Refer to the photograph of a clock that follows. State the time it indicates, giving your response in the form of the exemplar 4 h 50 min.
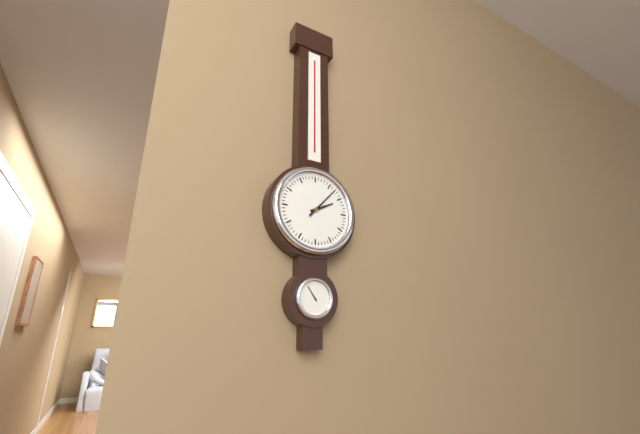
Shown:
2 h 07 min
